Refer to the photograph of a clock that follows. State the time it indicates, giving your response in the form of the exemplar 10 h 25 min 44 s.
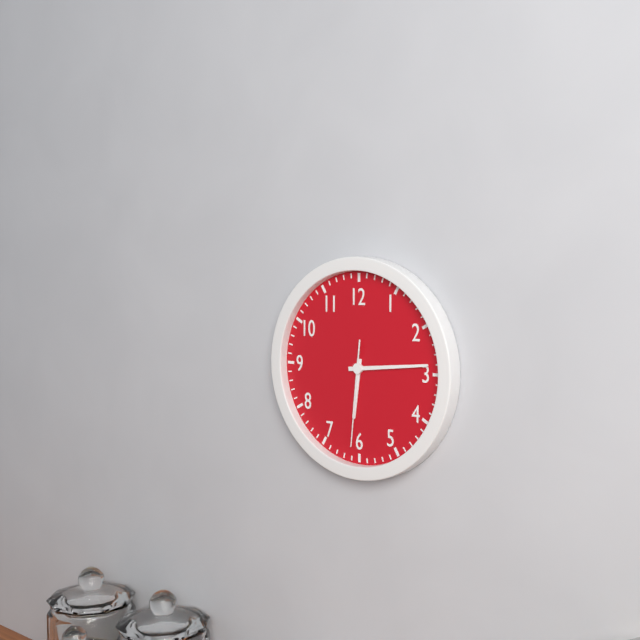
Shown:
6 h 14 min 31 s
